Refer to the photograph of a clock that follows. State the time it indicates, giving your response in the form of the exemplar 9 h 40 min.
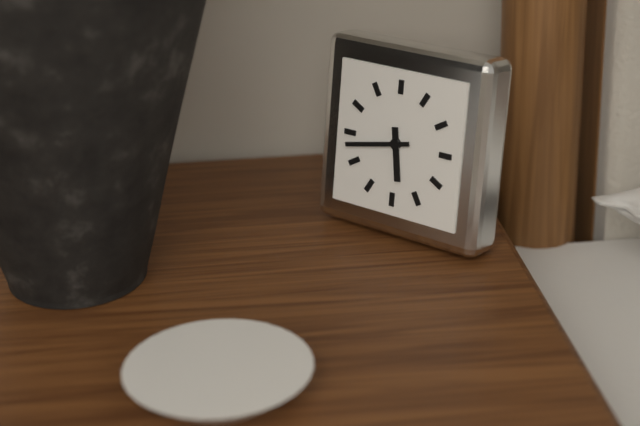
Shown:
5 h 43 min
